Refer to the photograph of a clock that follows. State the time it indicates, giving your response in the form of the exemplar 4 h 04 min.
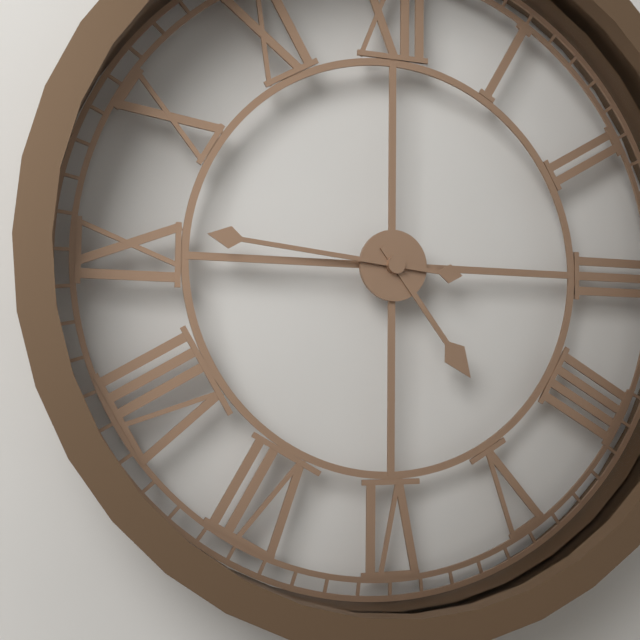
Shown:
4 h 46 min
